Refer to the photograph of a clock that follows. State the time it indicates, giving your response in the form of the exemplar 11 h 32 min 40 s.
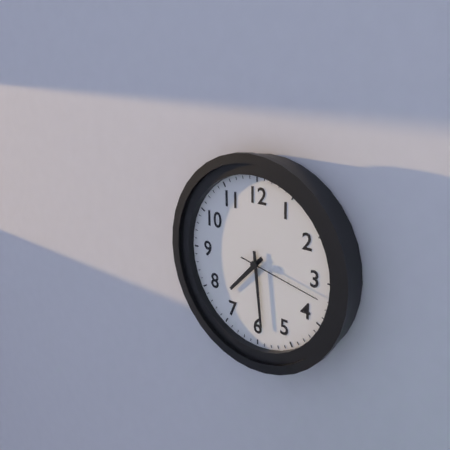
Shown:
7 h 29 min 17 s
